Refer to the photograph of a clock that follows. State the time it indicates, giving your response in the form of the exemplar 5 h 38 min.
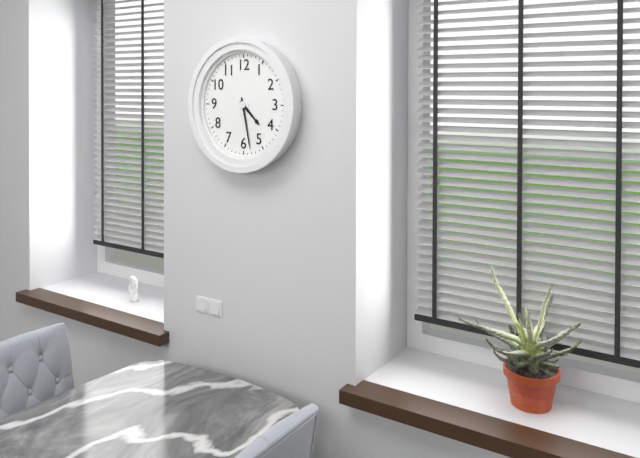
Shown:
4 h 28 min
